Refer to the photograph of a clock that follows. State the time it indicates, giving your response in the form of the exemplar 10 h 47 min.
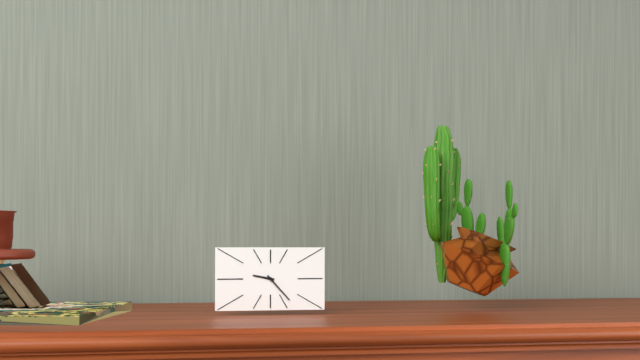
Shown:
9 h 23 min
